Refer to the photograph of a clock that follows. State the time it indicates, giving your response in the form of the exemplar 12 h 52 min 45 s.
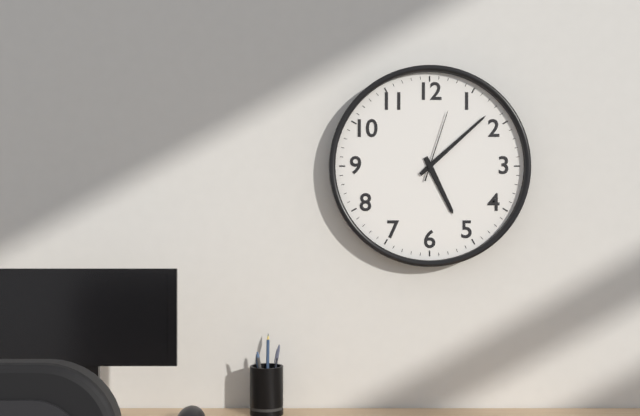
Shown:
5 h 08 min 03 s
